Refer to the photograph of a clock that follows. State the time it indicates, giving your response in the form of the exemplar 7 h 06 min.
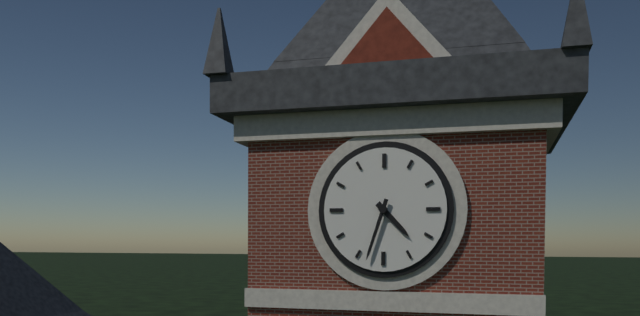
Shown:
4 h 33 min
